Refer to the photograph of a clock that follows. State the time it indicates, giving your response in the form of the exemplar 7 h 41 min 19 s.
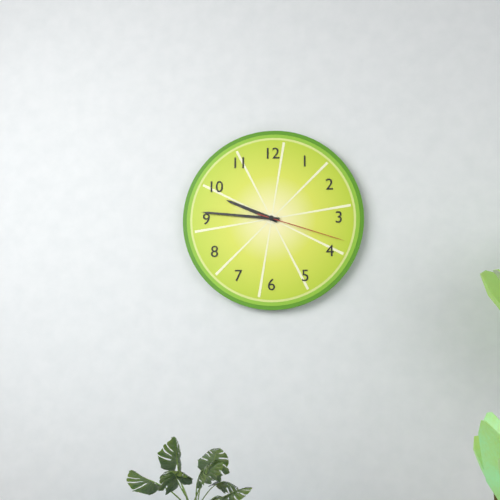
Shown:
9 h 46 min 18 s
